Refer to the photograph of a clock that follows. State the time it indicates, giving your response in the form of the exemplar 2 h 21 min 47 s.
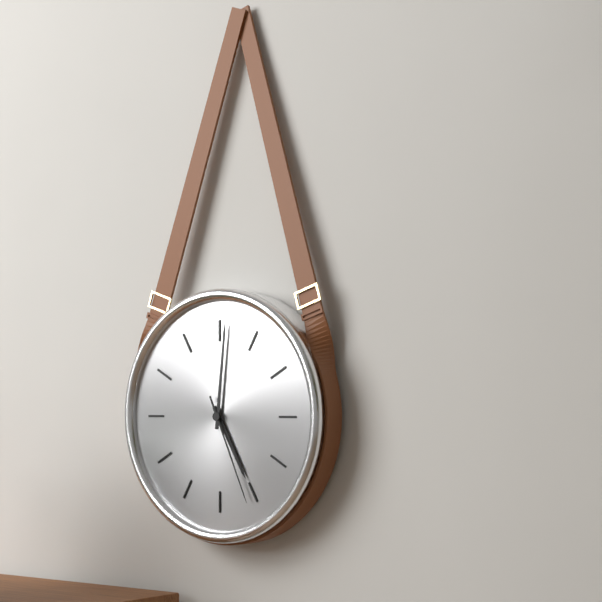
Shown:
5 h 01 min 26 s
